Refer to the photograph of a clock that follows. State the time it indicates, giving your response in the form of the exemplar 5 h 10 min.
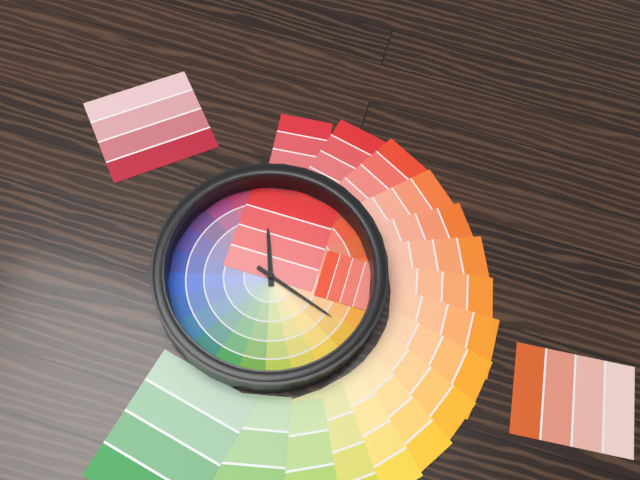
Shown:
11 h 18 min
